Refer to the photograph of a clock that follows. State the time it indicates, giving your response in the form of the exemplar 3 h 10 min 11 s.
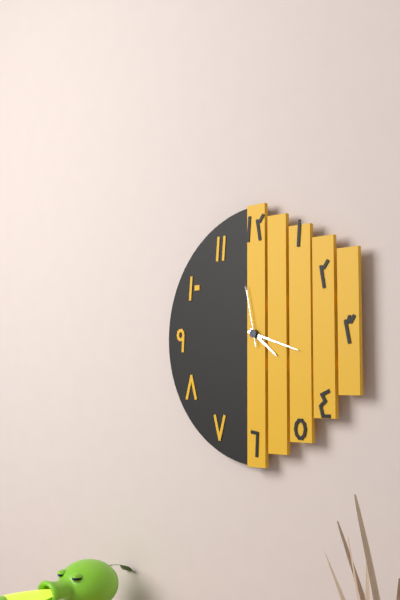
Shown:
4 h 18 min 58 s
